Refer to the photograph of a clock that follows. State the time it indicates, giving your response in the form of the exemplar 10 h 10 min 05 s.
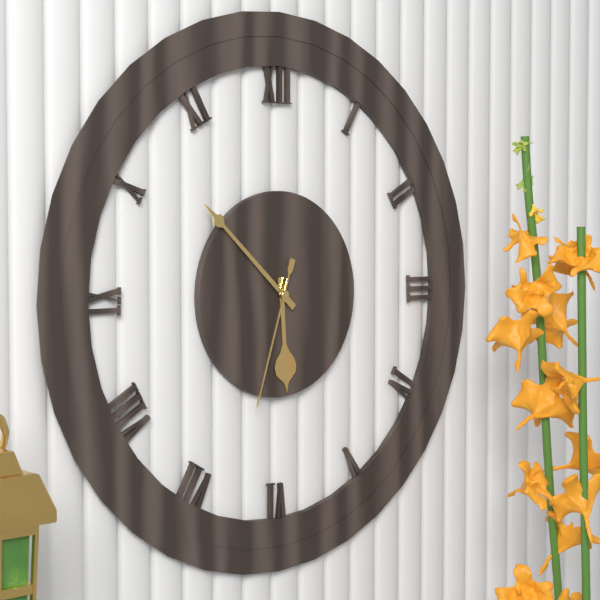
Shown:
5 h 52 min 33 s
